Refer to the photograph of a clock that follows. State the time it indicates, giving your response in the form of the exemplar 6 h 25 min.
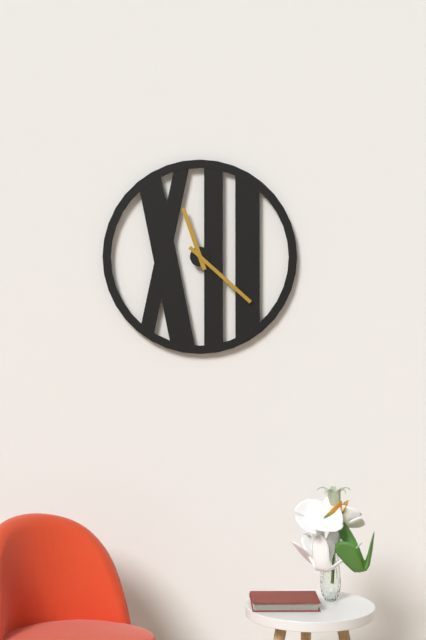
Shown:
11 h 22 min
